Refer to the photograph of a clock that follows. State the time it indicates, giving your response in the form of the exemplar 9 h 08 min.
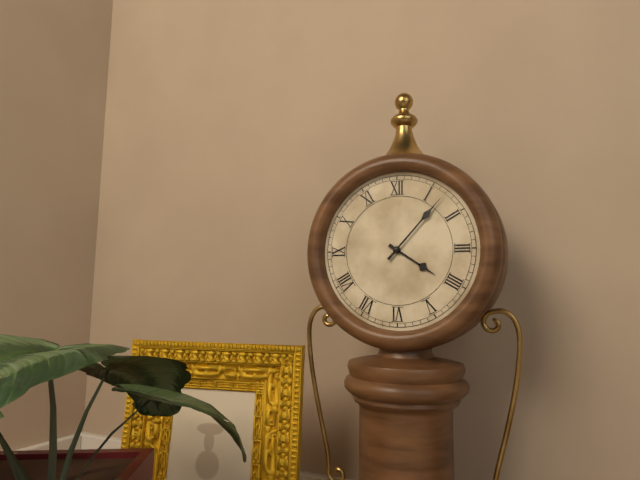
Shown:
4 h 07 min
